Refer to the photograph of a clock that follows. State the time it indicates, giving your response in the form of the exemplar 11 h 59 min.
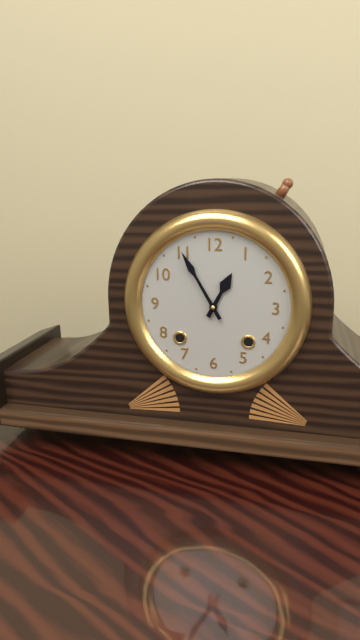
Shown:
12 h 55 min
